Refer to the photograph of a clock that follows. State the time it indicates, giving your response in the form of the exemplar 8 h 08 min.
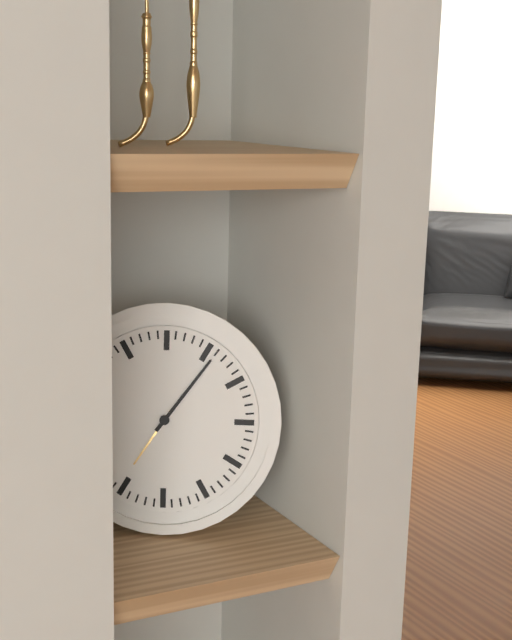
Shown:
7 h 06 min
